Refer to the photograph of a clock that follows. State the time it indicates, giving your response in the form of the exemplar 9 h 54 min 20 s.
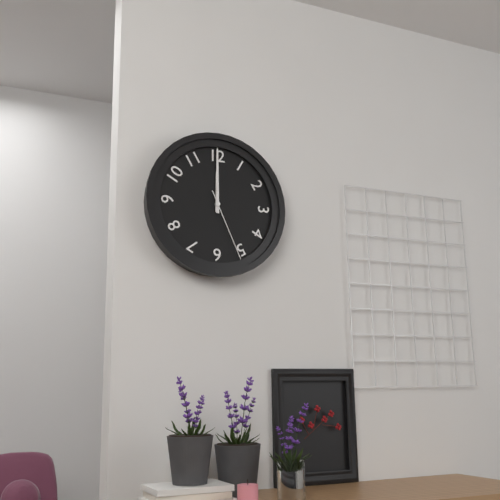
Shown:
12 h 00 min 26 s
